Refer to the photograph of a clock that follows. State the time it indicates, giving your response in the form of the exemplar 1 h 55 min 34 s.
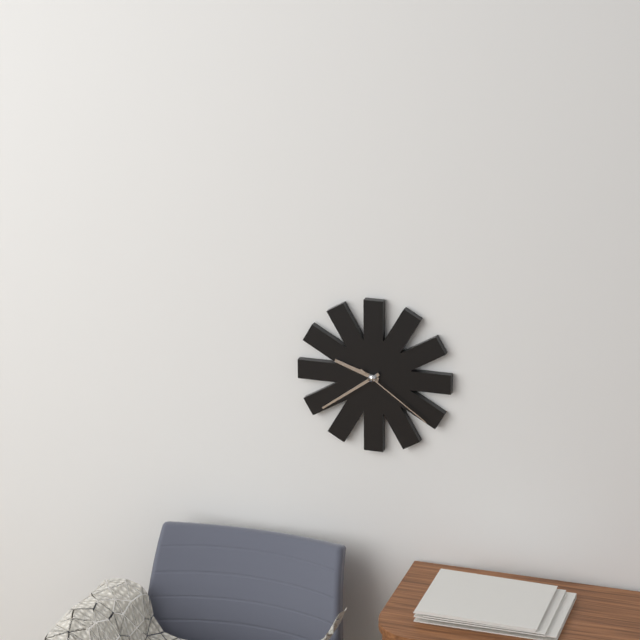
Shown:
9 h 39 min 21 s
